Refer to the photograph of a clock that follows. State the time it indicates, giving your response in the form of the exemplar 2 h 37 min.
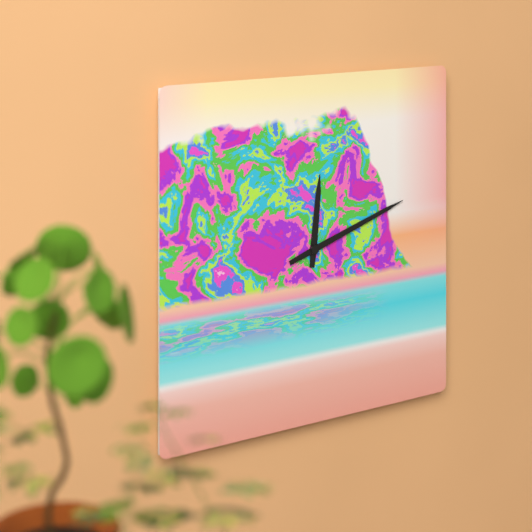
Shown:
12 h 12 min
